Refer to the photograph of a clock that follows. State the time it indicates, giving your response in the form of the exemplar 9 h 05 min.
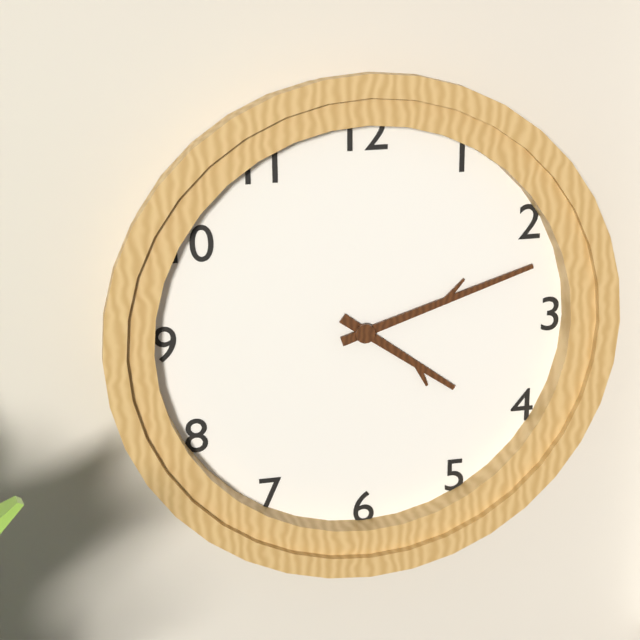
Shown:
4 h 12 min
